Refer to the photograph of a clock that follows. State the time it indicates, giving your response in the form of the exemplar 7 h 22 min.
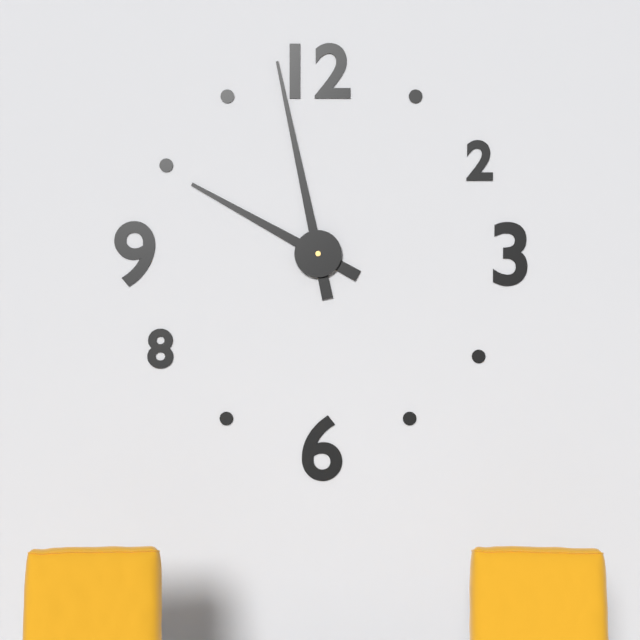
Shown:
9 h 58 min
